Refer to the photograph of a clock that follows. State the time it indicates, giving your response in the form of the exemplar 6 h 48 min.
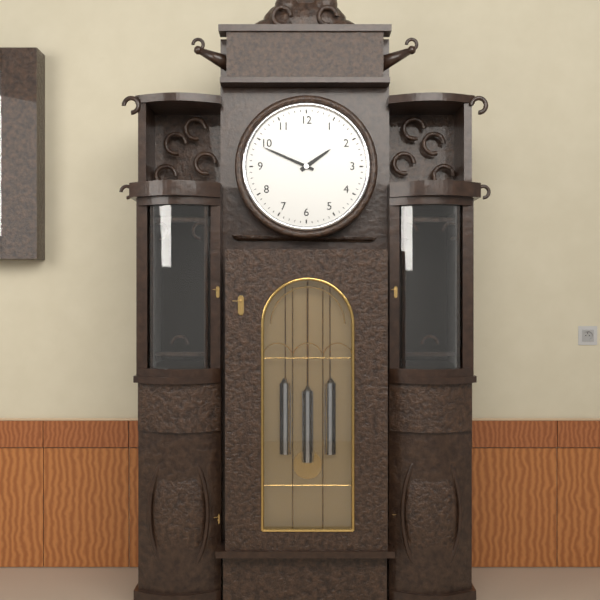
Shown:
1 h 49 min
